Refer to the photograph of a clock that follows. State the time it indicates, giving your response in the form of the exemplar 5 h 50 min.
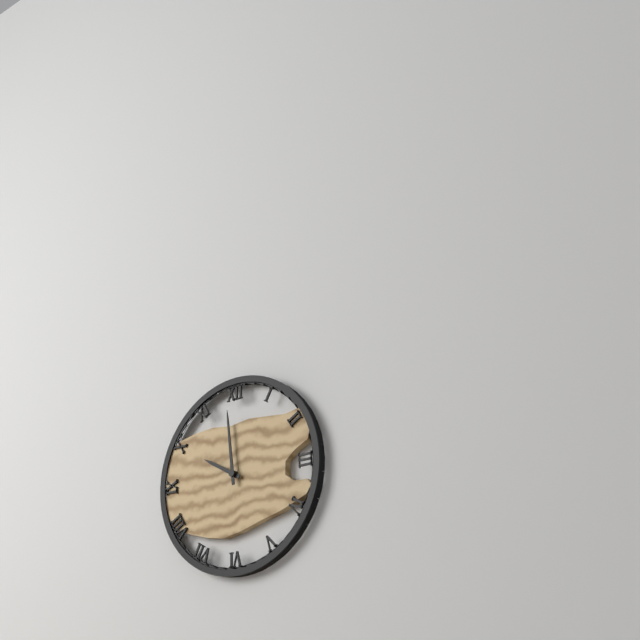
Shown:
9 h 59 min
